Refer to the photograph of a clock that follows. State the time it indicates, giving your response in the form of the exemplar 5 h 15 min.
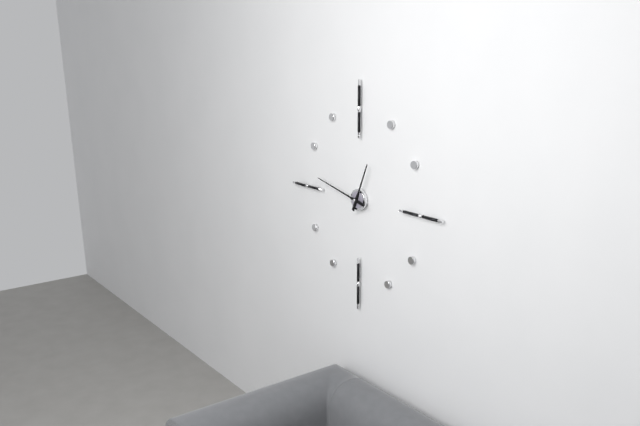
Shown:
12 h 47 min
